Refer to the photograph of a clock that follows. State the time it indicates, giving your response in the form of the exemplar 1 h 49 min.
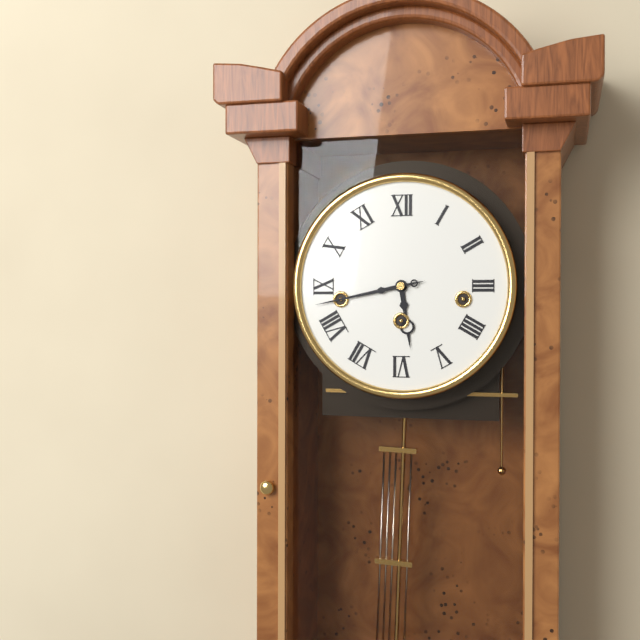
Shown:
5 h 43 min
